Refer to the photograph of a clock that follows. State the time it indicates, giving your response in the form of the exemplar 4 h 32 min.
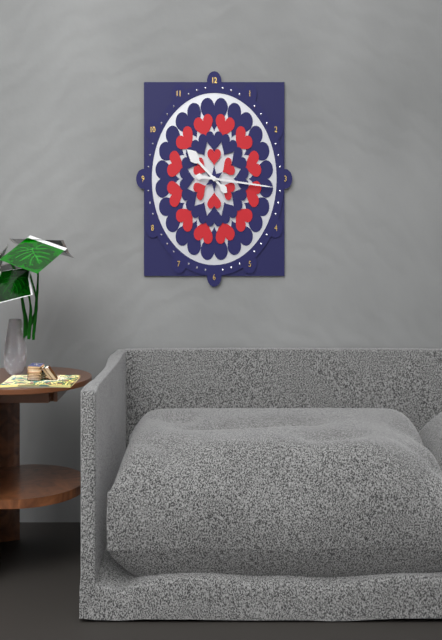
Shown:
10 h 16 min
